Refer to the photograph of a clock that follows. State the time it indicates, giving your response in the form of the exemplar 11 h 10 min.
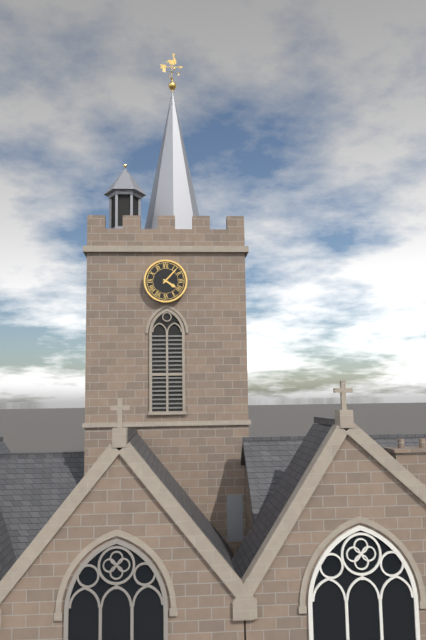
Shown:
4 h 07 min
